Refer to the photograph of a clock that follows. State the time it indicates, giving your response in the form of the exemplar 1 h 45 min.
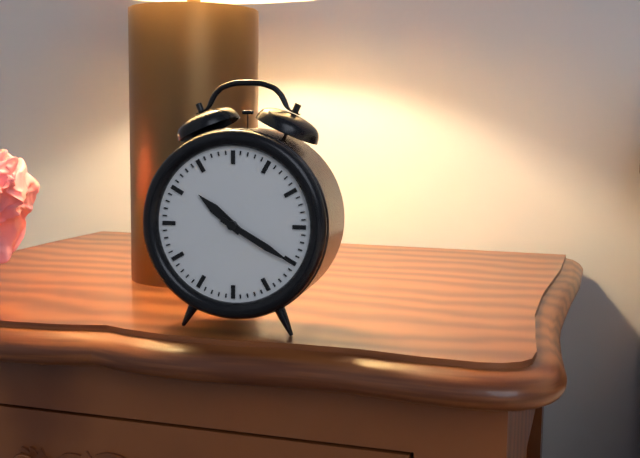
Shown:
10 h 20 min
